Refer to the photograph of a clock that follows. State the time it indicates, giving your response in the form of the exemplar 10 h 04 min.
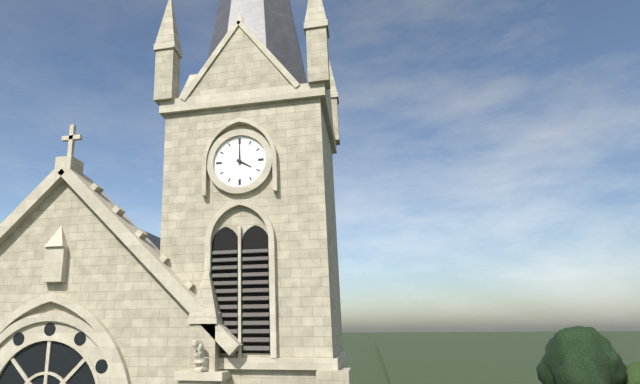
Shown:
4 h 00 min
